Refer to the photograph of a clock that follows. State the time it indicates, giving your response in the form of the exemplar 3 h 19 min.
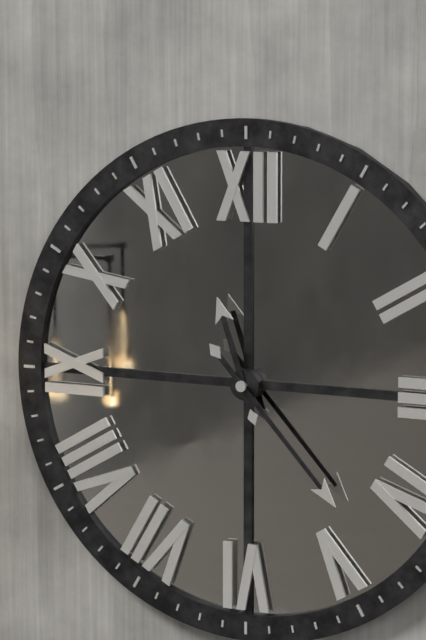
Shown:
11 h 23 min
